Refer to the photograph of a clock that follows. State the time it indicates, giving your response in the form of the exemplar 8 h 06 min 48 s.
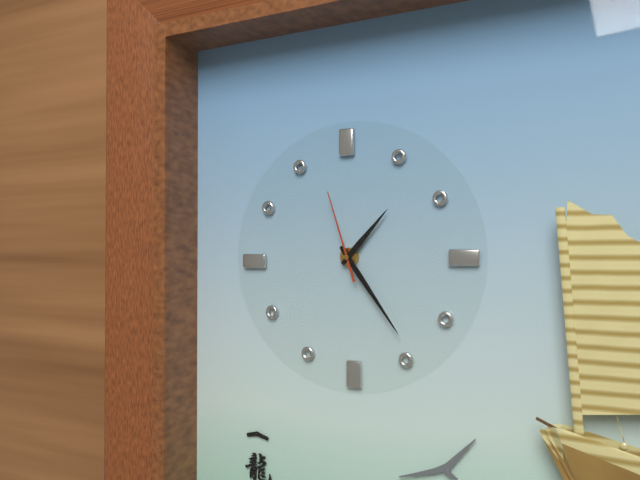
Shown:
1 h 24 min 57 s
